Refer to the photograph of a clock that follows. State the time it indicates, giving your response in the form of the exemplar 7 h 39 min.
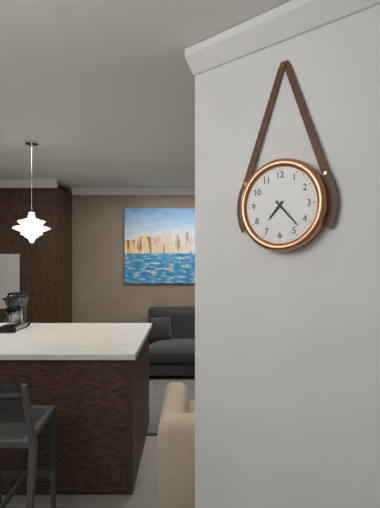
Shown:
7 h 23 min
